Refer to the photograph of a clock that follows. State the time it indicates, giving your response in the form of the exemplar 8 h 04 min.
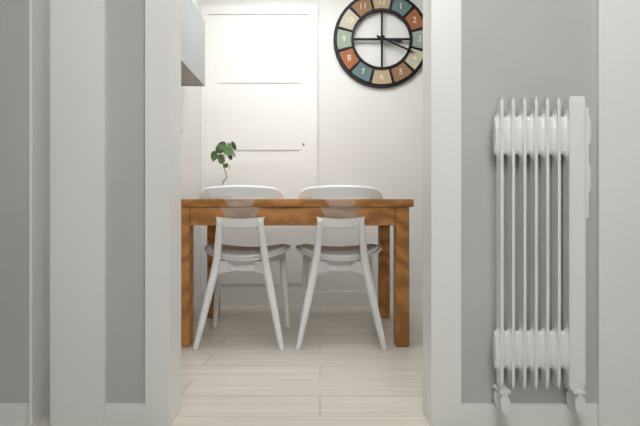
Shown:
3 h 19 min
